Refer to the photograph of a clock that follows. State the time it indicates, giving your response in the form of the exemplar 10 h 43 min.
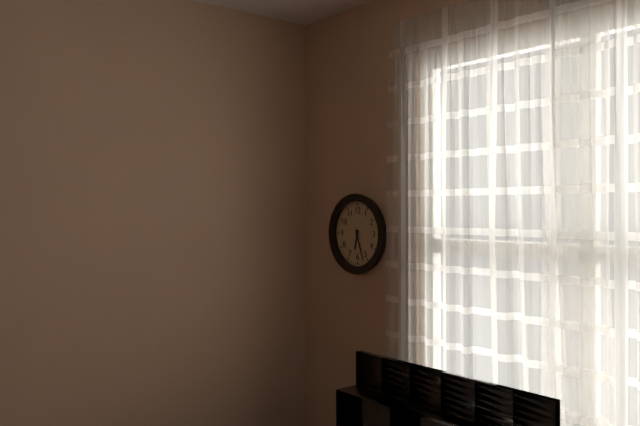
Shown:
6 h 27 min
